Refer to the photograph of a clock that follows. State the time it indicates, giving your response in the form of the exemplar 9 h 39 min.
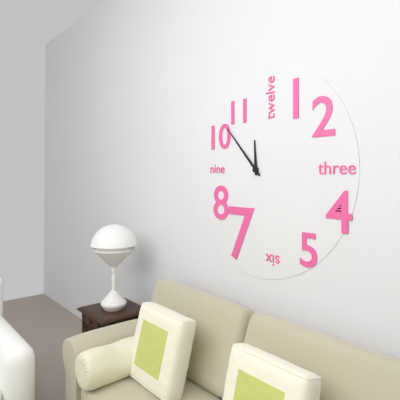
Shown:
11 h 53 min
